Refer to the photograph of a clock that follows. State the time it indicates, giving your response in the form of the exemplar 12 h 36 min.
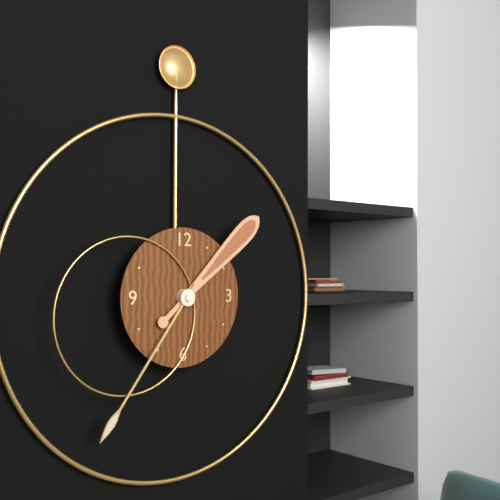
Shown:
1 h 36 min
